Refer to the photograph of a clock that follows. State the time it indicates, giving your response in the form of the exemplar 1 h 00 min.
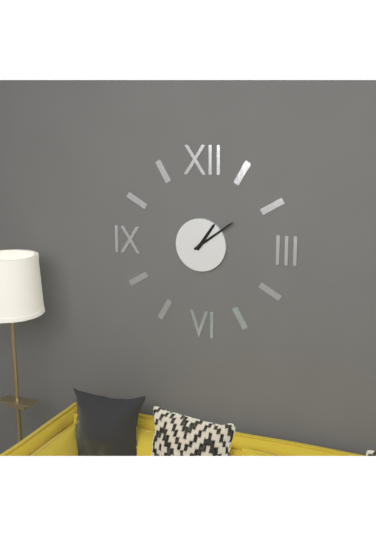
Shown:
1 h 09 min
